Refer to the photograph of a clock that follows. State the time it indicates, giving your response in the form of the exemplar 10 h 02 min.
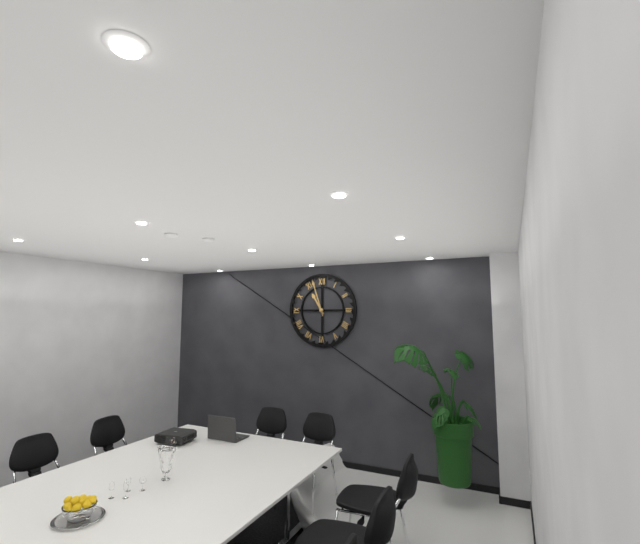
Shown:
10 h 57 min
